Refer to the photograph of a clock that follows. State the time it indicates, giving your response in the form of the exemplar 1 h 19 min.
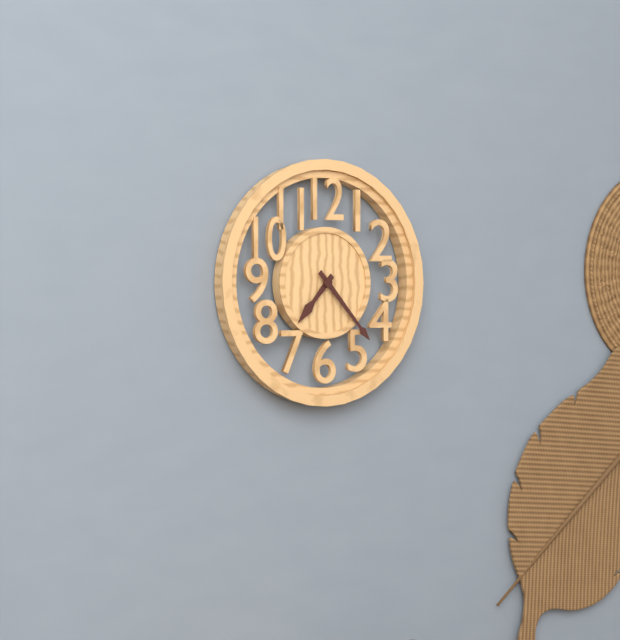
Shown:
7 h 23 min
